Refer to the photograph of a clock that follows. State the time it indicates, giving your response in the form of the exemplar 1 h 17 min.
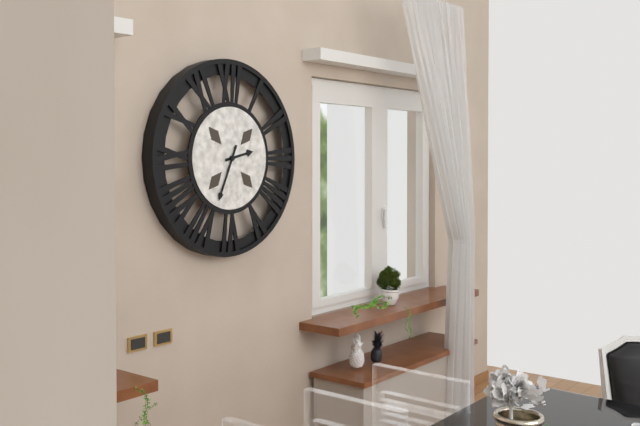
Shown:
2 h 34 min
